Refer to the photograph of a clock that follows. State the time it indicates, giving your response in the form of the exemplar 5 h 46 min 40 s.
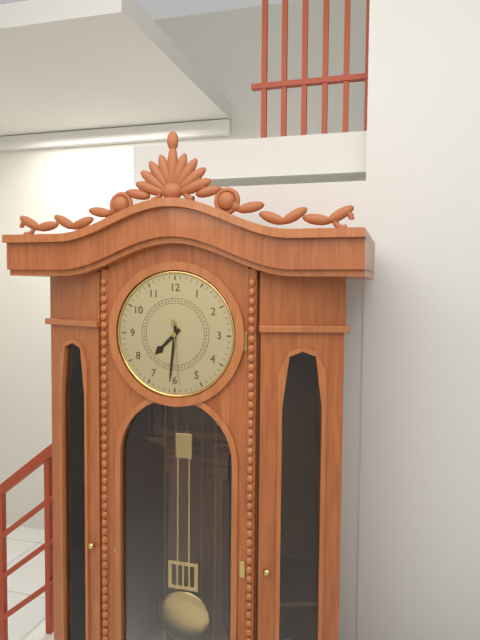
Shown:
7 h 31 min 29 s
